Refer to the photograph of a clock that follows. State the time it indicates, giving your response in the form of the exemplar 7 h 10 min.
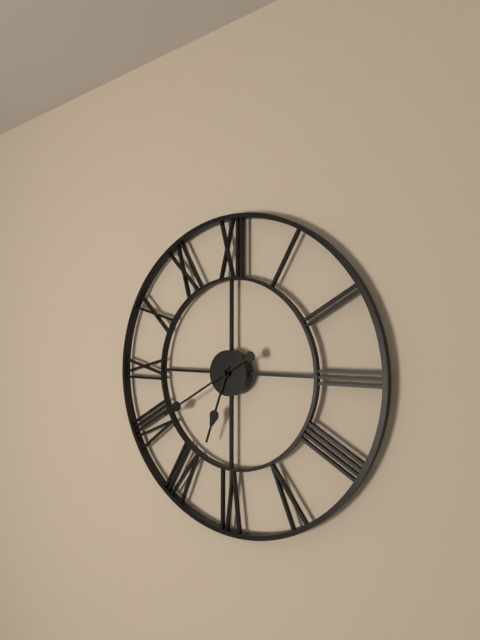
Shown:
6 h 40 min
